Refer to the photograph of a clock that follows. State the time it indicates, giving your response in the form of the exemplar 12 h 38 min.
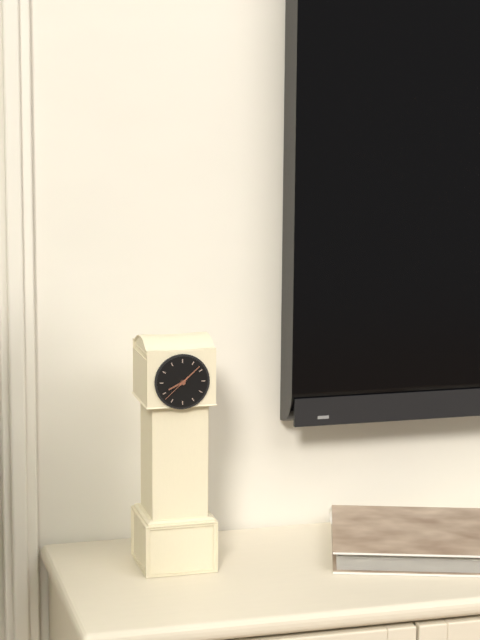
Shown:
8 h 08 min
